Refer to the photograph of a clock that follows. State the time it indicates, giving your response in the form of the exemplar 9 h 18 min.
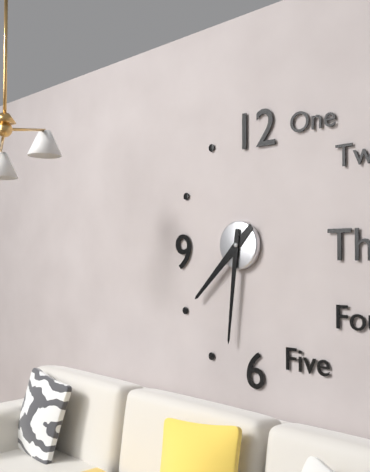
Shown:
7 h 31 min
